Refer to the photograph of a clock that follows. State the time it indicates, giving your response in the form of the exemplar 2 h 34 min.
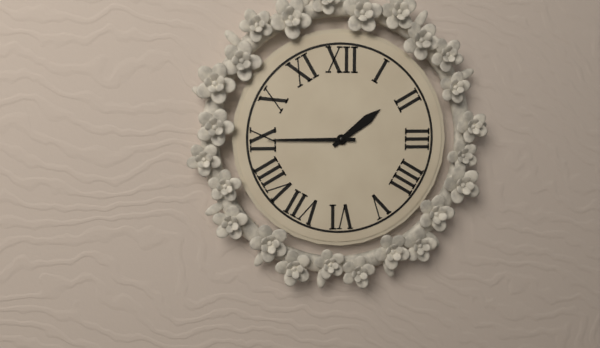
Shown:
1 h 45 min
